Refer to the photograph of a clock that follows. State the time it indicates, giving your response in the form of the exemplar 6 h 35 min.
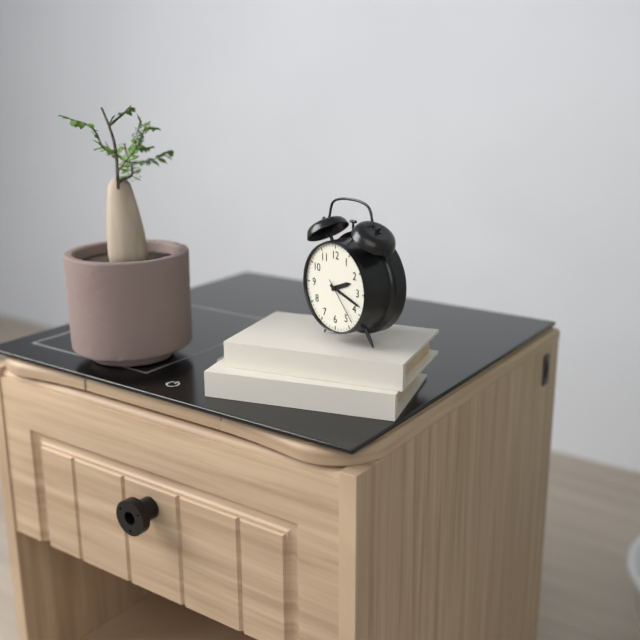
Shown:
2 h 18 min
